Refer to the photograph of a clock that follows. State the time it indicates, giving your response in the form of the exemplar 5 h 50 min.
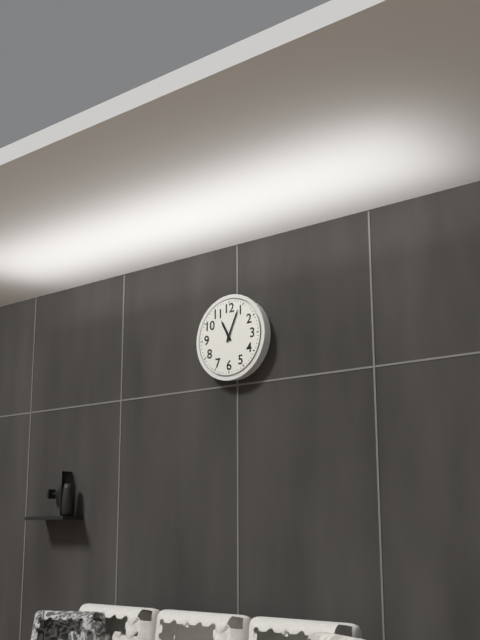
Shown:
11 h 04 min
